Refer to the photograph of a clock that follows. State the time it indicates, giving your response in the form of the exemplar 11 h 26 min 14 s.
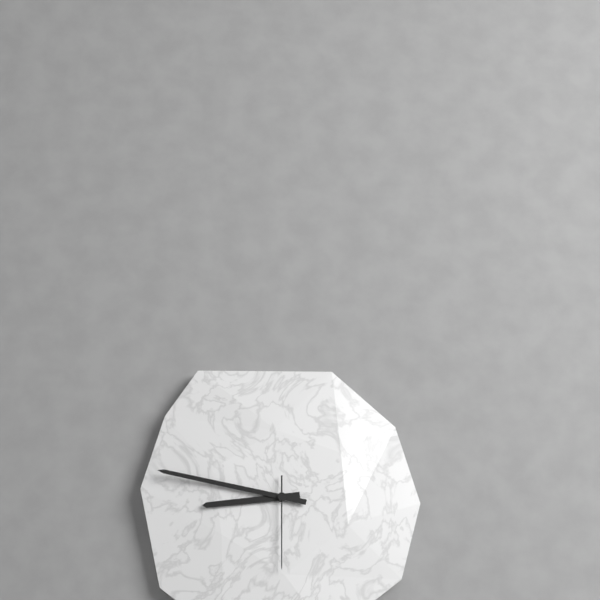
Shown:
8 h 47 min 30 s
